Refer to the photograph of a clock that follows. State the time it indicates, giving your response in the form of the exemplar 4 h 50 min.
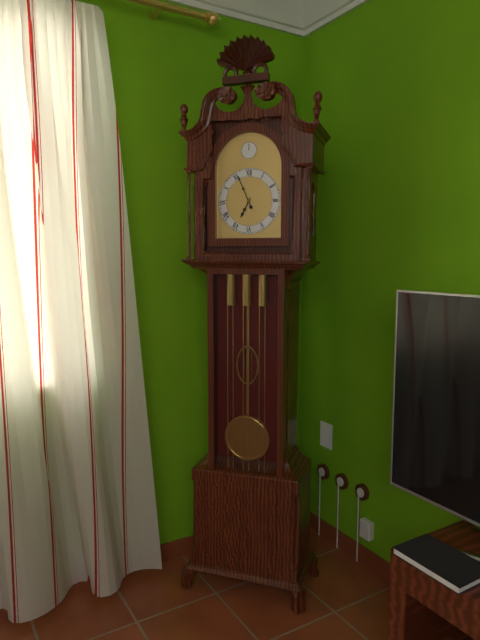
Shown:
6 h 56 min
